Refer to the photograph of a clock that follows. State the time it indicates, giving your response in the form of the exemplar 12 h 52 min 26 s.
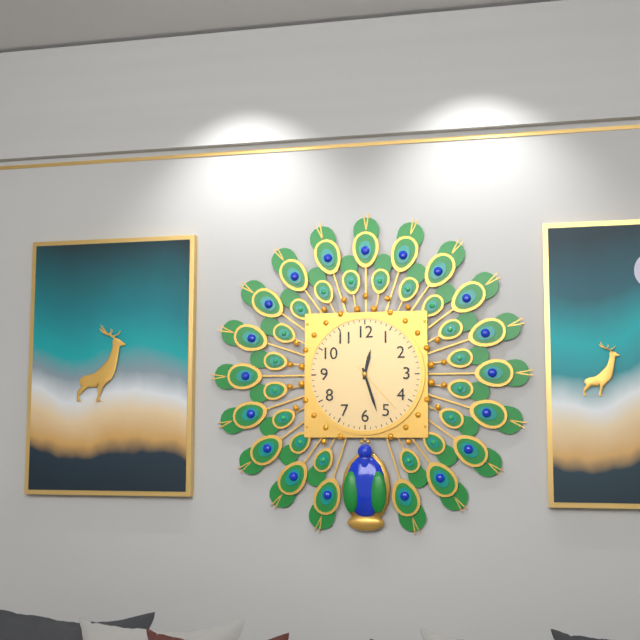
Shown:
12 h 27 min 23 s
